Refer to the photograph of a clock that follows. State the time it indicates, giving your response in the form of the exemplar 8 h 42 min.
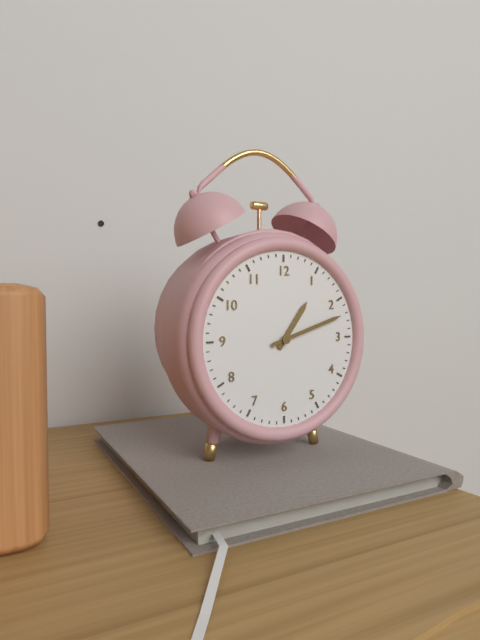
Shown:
1 h 12 min
